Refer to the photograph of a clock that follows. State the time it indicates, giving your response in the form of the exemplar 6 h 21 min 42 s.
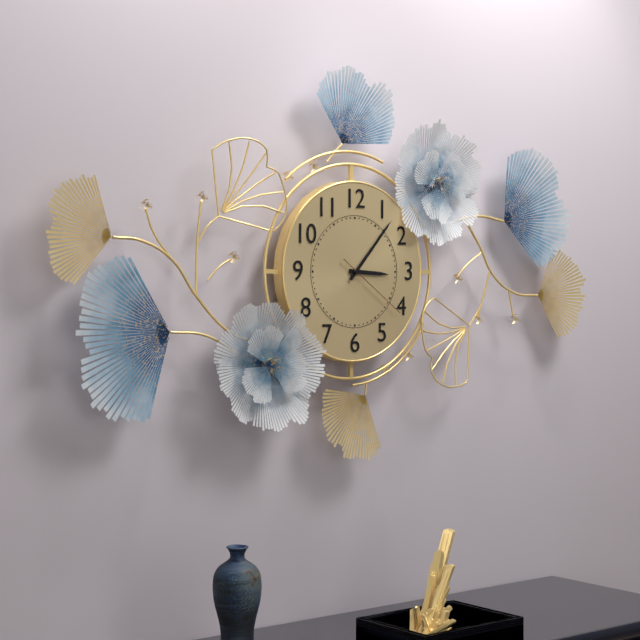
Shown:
3 h 07 min 21 s
